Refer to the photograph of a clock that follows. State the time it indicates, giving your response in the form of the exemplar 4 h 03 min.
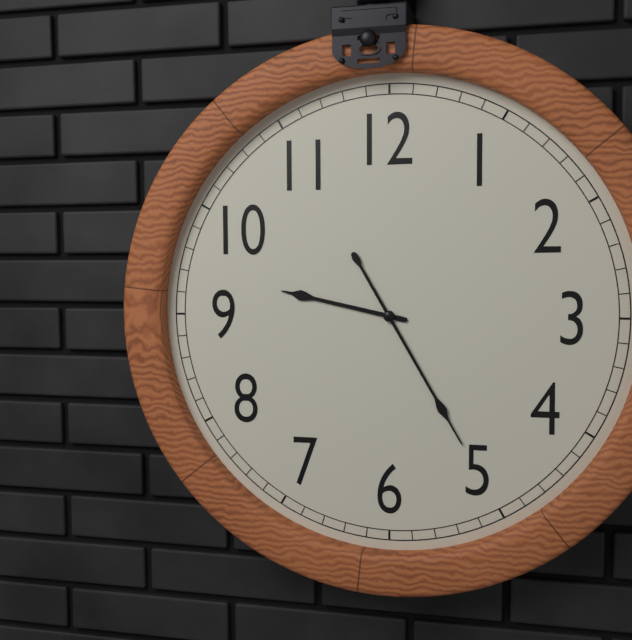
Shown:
9 h 25 min
